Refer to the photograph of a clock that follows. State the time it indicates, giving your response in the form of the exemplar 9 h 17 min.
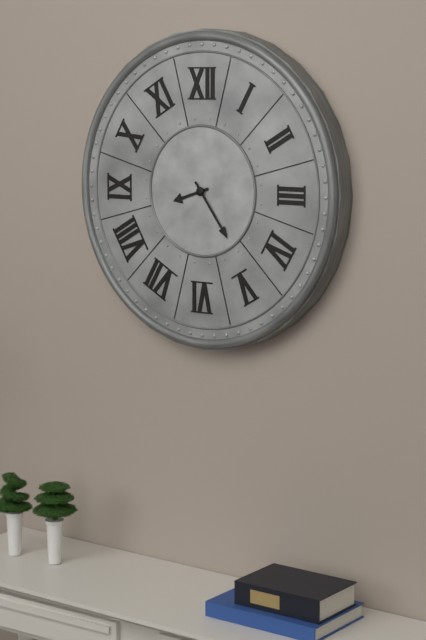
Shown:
8 h 24 min
